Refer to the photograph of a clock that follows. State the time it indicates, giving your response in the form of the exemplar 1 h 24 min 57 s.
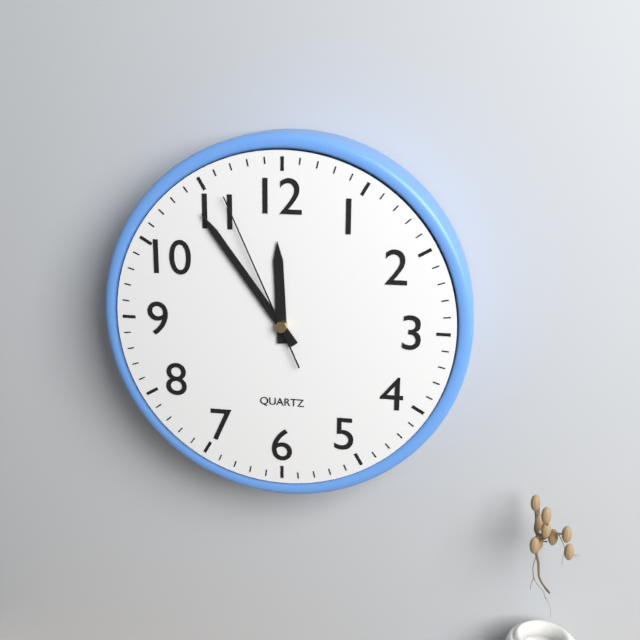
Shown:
11 h 54 min 56 s
